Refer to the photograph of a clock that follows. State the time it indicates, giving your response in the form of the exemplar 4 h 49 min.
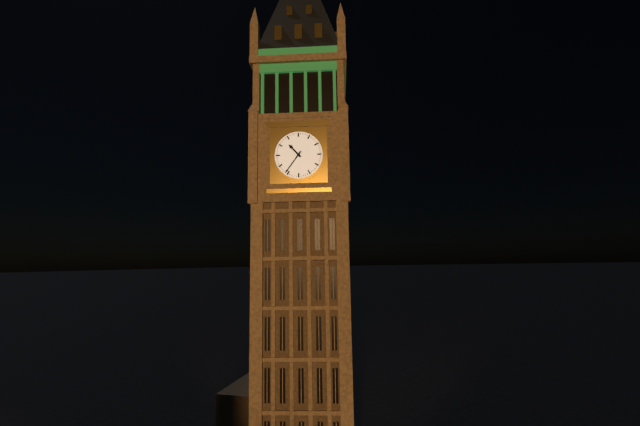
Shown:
10 h 36 min
